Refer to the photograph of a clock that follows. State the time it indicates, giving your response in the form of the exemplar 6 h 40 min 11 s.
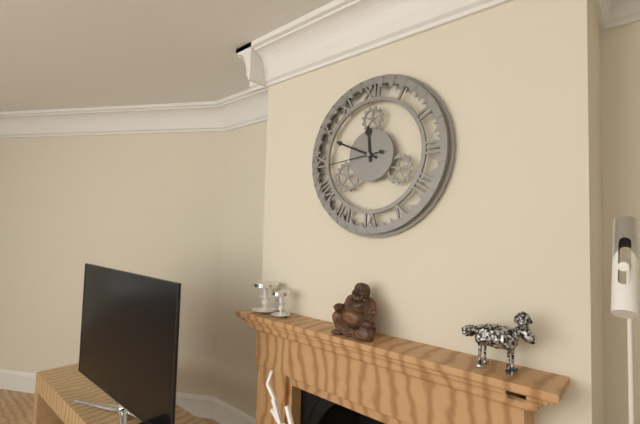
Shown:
11 h 49 min 44 s
